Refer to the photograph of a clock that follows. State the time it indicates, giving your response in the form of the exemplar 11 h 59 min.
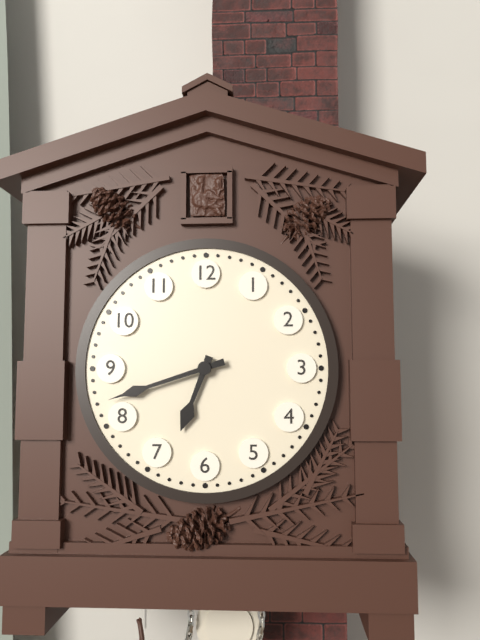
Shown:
6 h 42 min
